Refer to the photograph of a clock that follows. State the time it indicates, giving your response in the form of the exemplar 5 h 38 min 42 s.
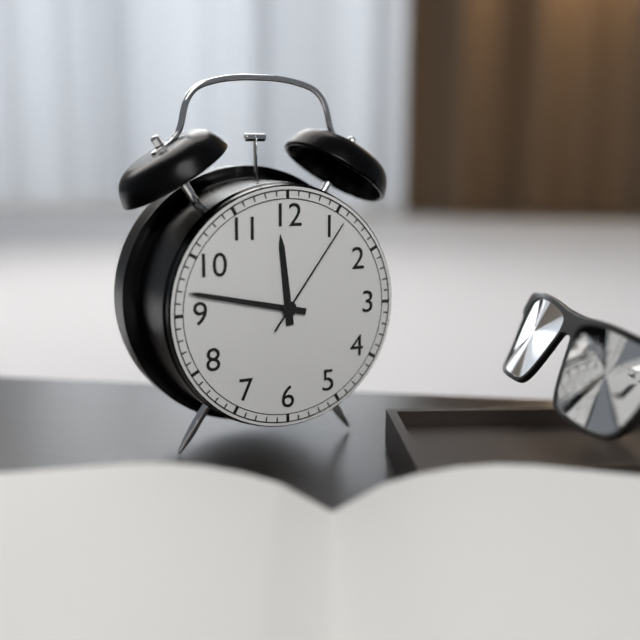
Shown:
11 h 47 min 06 s
